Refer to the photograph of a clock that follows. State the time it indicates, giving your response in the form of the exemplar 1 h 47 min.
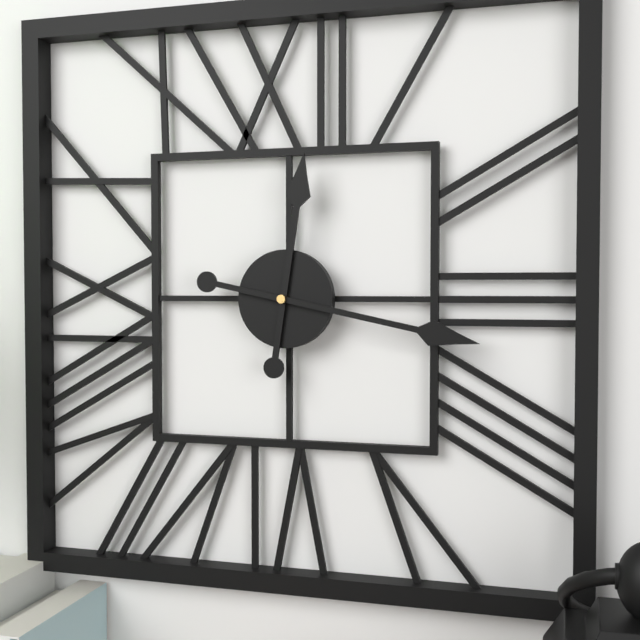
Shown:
12 h 17 min
